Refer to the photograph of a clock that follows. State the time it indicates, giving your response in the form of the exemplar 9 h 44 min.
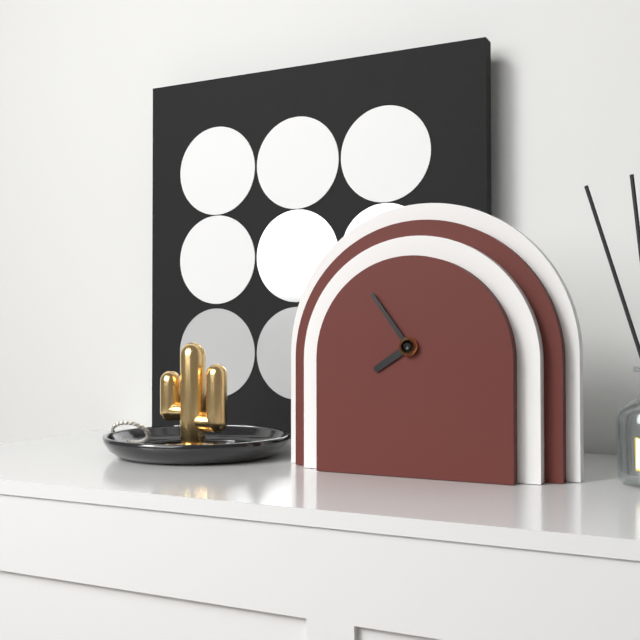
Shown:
7 h 54 min
